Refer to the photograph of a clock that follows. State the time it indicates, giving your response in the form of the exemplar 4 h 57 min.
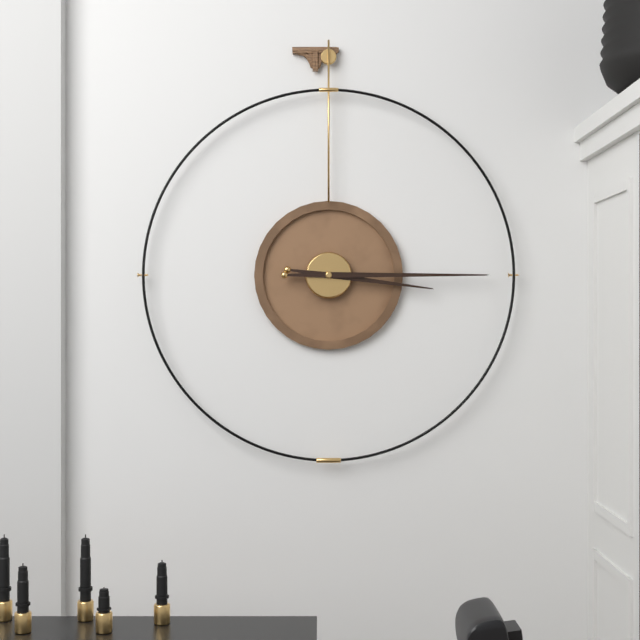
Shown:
3 h 15 min
